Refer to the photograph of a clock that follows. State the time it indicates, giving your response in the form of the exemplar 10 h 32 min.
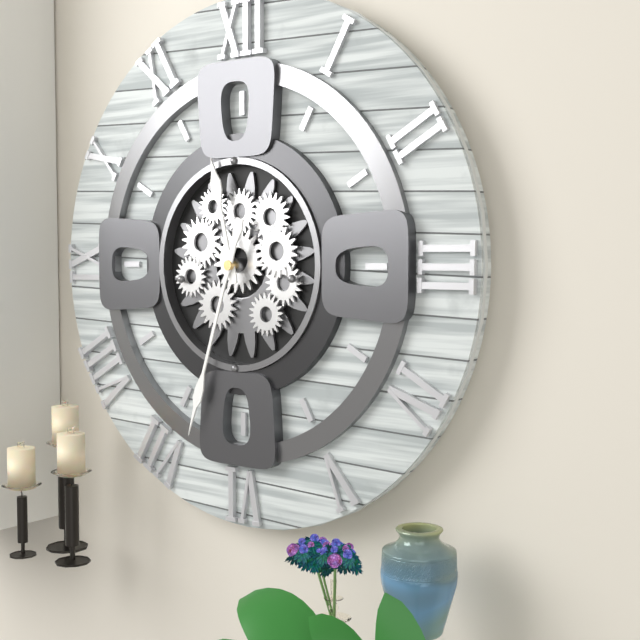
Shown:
11 h 33 min
